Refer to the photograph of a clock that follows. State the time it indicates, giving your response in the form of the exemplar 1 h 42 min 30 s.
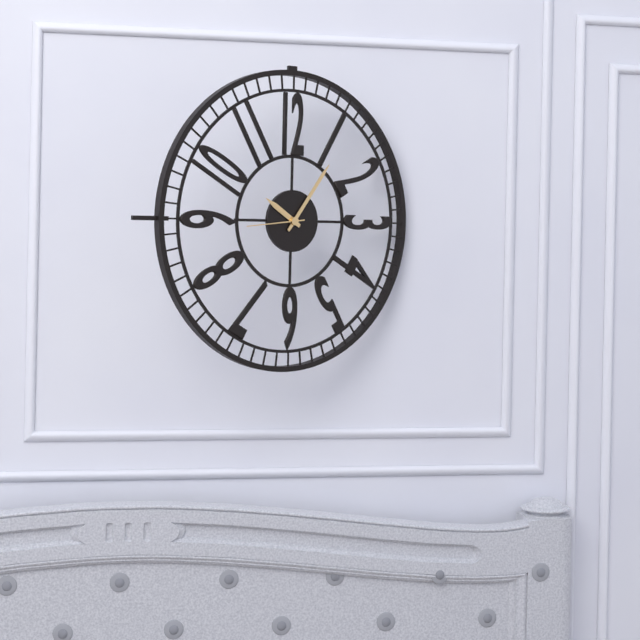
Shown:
10 h 06 min 44 s
